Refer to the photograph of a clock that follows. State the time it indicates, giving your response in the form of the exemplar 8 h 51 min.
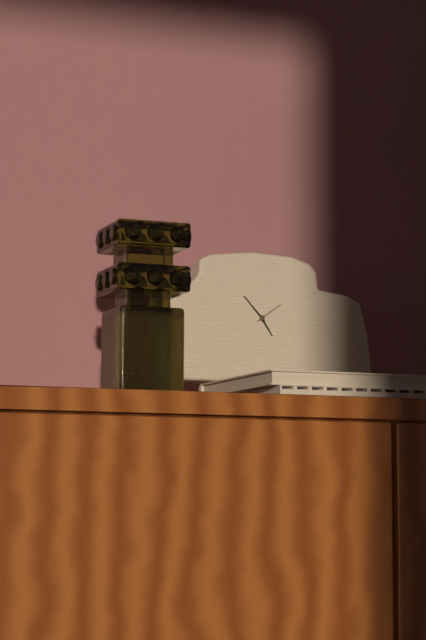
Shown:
4 h 53 min
